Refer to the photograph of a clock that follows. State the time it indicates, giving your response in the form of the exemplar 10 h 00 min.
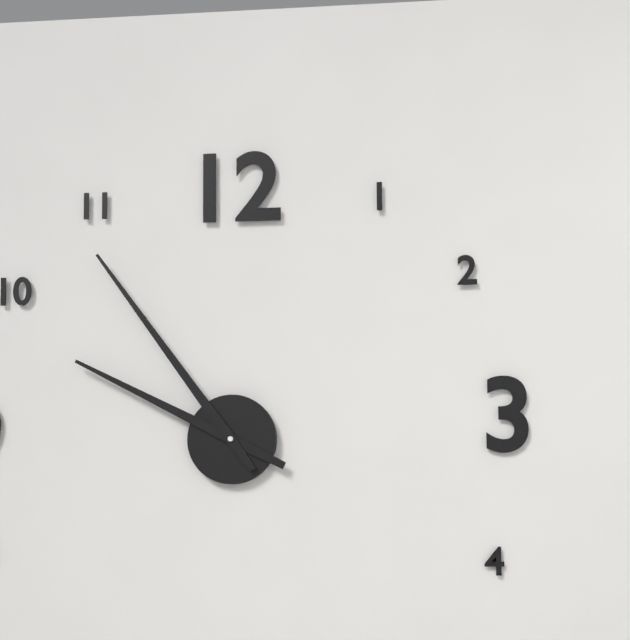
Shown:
9 h 54 min
